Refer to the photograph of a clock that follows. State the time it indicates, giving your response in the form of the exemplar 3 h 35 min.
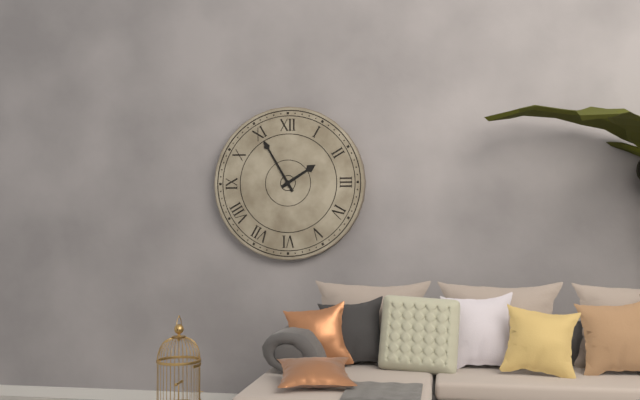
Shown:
1 h 55 min
